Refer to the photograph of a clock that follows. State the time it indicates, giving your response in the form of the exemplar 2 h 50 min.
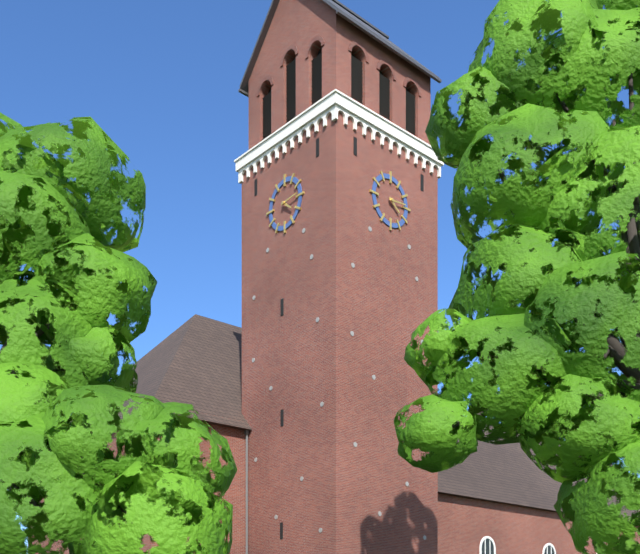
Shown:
4 h 14 min
